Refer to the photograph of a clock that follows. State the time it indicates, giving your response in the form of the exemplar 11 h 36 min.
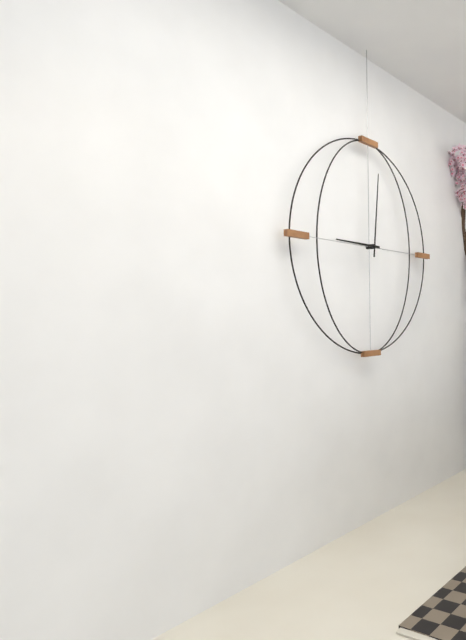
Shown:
9 h 01 min
